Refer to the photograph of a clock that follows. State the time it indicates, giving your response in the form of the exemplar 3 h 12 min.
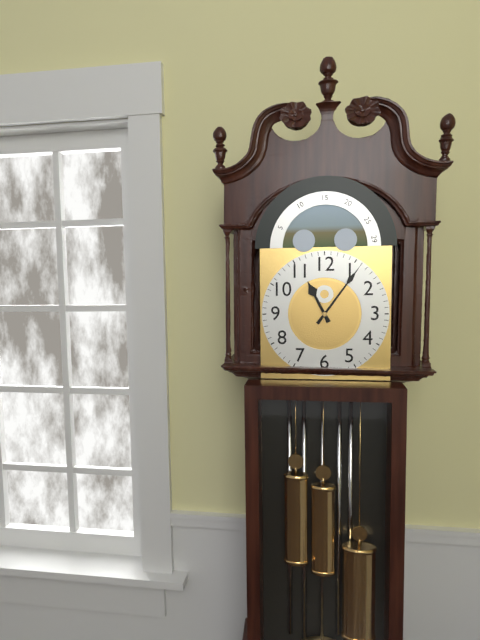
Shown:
11 h 06 min
